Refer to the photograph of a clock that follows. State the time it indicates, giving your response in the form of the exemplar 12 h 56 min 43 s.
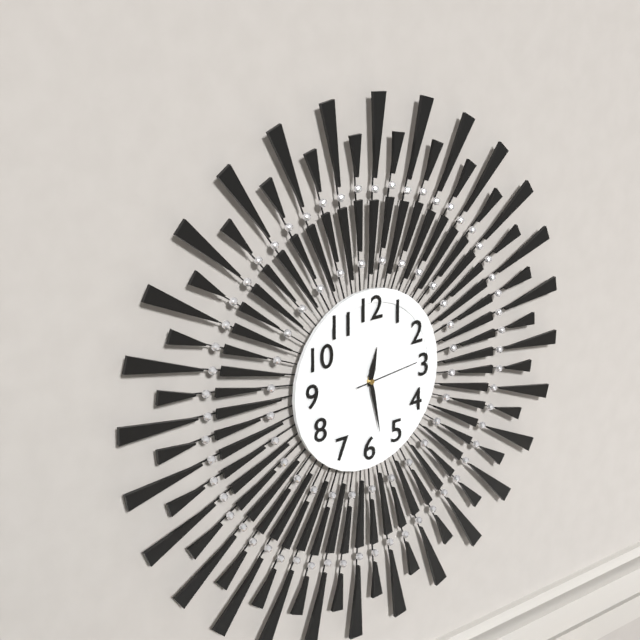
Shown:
12 h 28 min 14 s
